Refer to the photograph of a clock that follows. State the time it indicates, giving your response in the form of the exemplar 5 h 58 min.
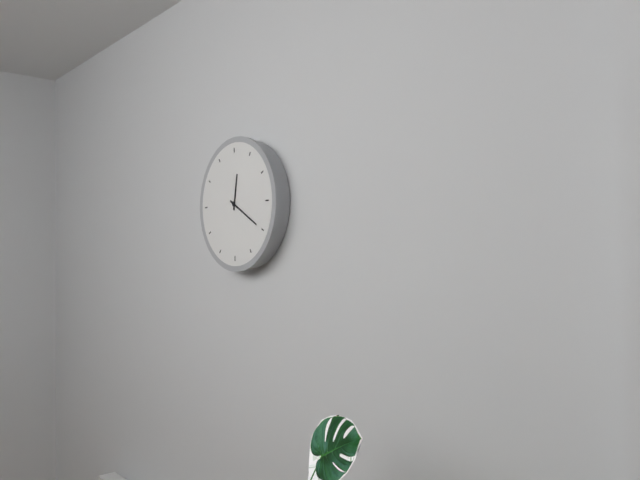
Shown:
12 h 20 min
